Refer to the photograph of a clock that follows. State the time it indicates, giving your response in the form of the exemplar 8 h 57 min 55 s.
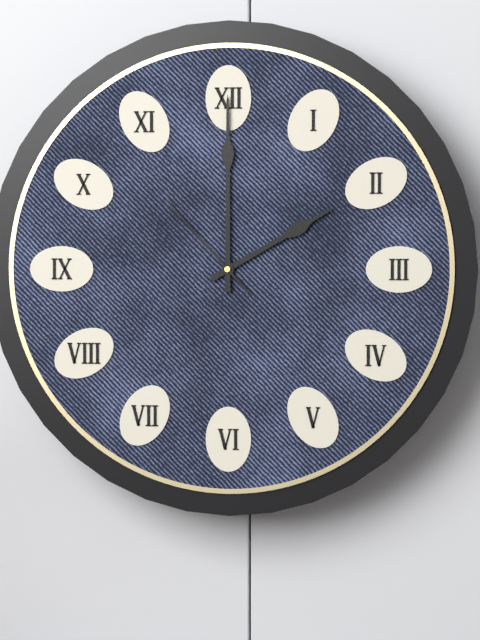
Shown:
2 h 00 min 53 s
